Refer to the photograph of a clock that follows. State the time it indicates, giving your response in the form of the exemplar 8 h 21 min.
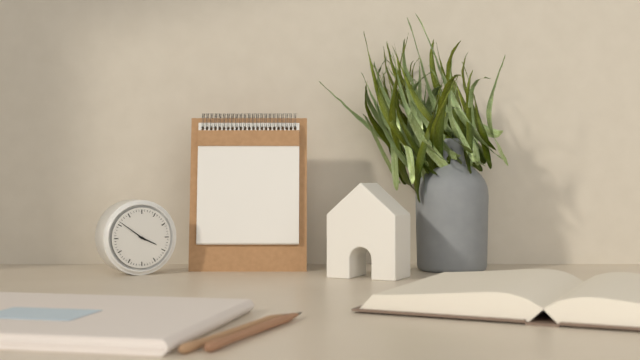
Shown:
3 h 51 min
